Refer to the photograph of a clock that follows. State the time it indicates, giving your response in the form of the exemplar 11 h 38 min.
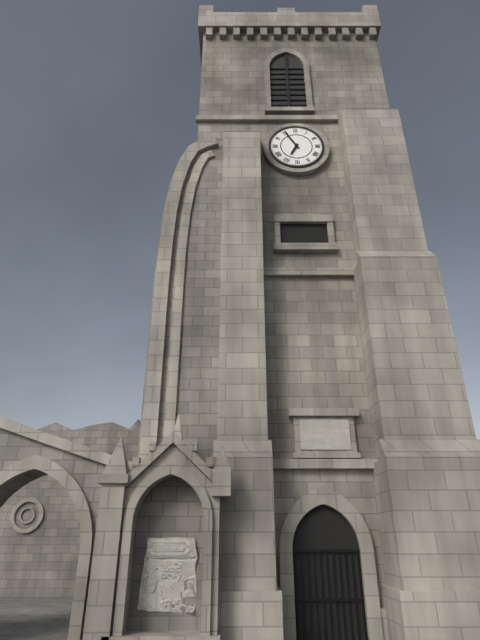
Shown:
6 h 55 min
